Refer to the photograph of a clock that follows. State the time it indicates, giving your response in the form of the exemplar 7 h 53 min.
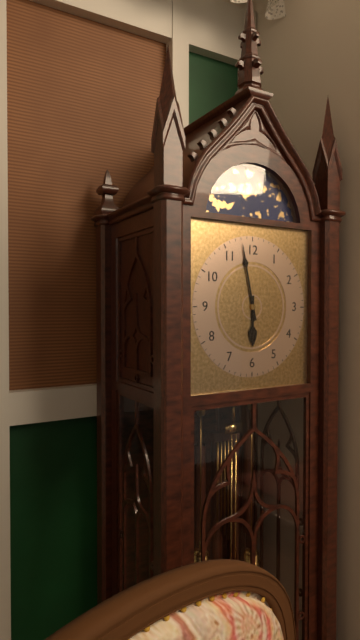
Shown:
5 h 58 min
